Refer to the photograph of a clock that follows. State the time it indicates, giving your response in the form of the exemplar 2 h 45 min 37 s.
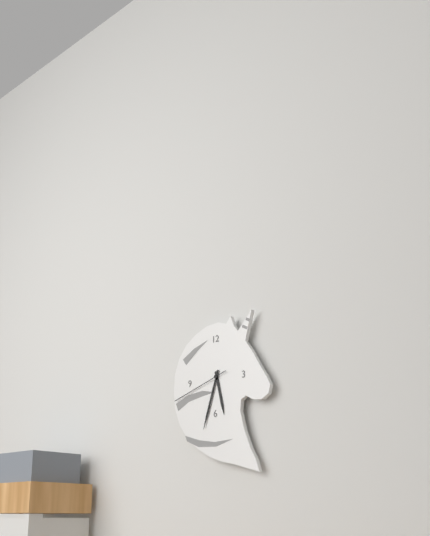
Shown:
5 h 33 min 42 s
